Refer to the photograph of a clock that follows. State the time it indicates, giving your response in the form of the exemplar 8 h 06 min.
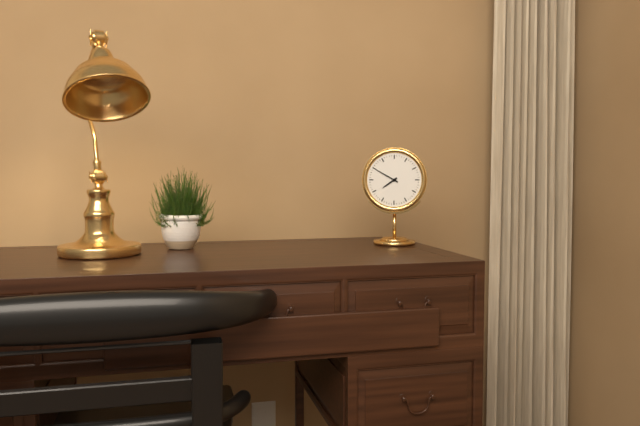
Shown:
7 h 50 min
